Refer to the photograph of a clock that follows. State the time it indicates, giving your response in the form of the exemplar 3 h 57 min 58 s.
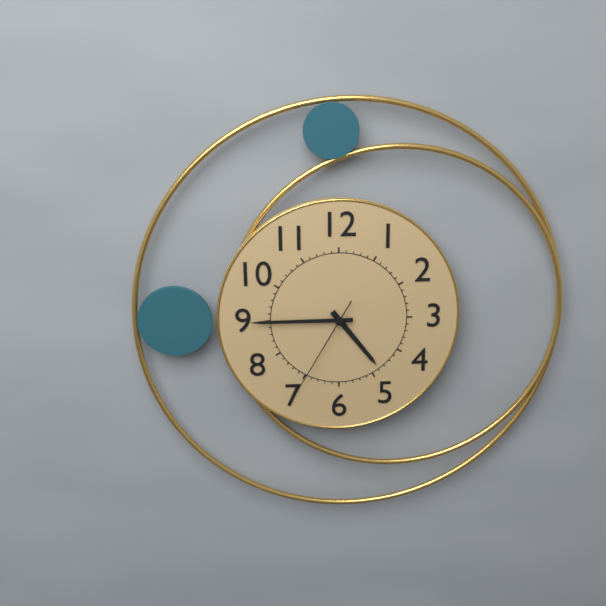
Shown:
4 h 45 min 35 s
